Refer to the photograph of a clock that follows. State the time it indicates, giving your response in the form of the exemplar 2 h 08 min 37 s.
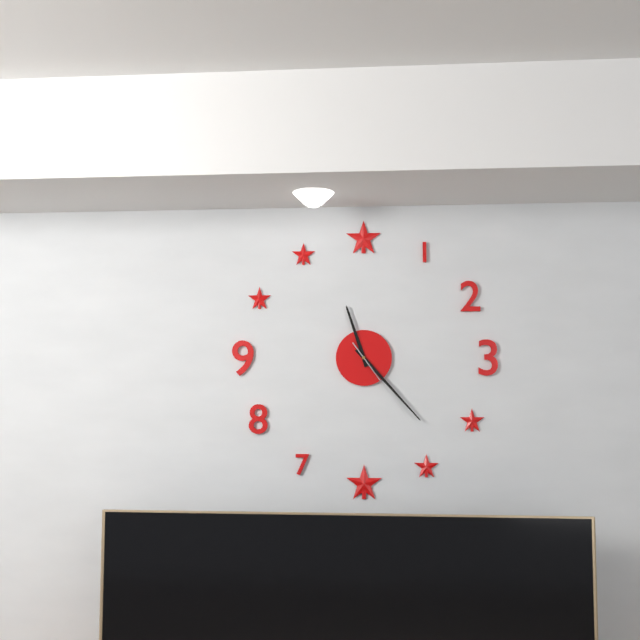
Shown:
11 h 23 min 24 s
